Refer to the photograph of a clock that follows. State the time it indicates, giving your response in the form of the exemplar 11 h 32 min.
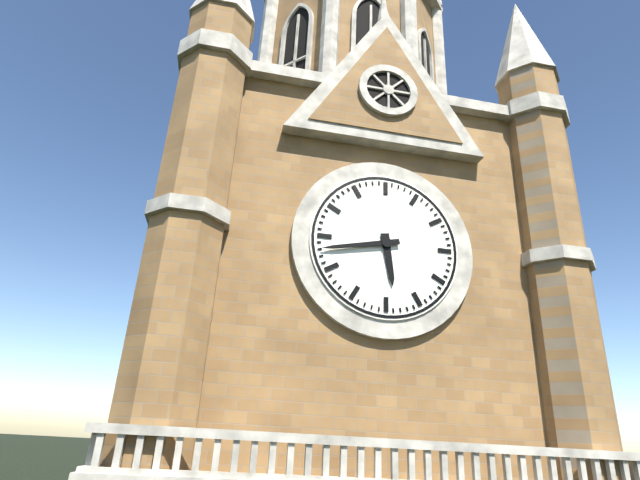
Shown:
5 h 43 min
